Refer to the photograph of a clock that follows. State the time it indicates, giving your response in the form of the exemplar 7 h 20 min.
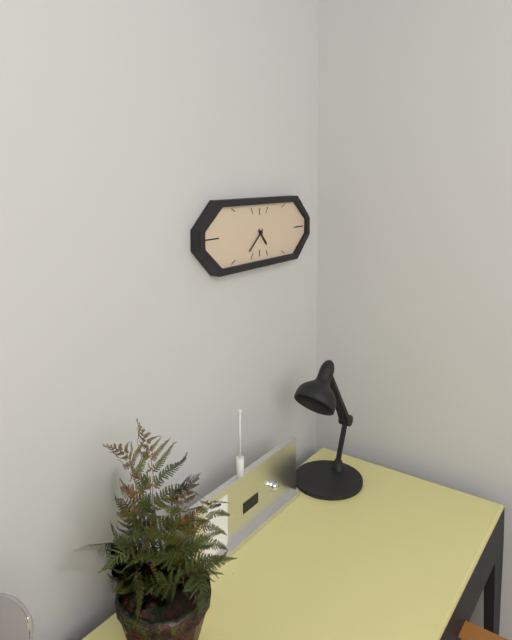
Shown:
4 h 38 min
